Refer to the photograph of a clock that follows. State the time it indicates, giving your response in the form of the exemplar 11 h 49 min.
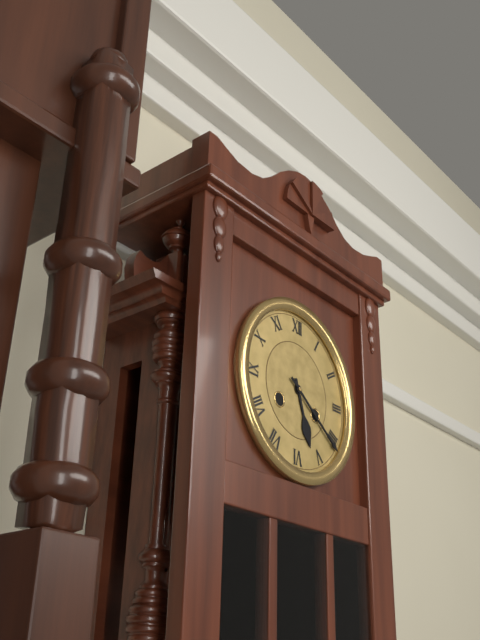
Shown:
5 h 21 min
